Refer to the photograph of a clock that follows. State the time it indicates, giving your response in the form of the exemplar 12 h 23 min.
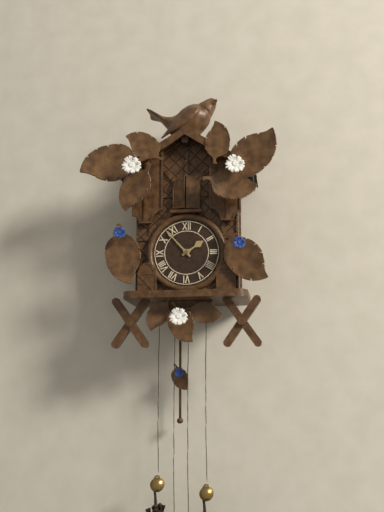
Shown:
1 h 53 min
